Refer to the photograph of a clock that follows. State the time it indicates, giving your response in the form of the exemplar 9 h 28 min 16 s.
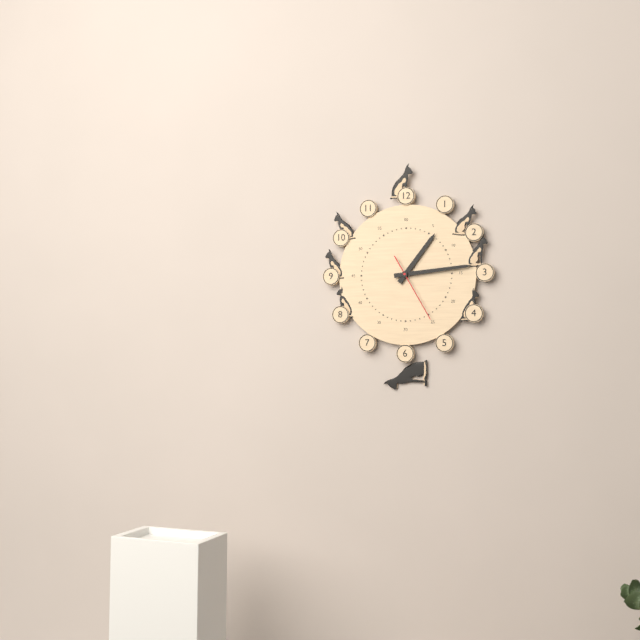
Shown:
1 h 14 min 25 s
